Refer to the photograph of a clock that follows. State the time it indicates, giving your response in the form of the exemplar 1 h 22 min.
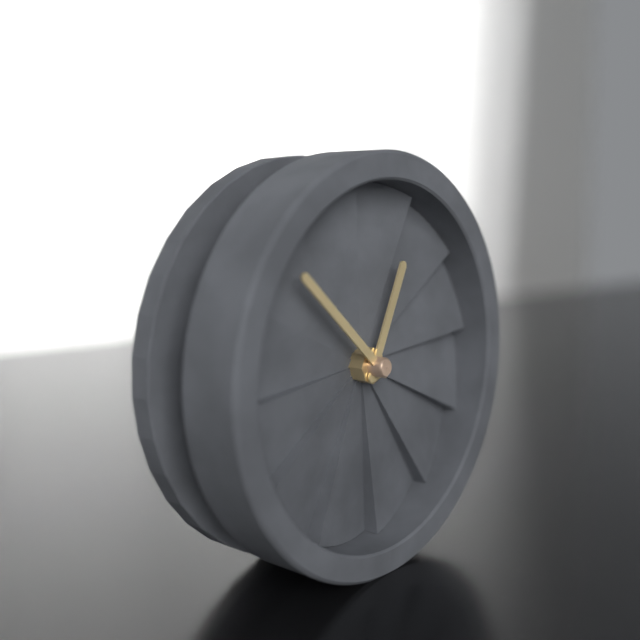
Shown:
12 h 52 min
